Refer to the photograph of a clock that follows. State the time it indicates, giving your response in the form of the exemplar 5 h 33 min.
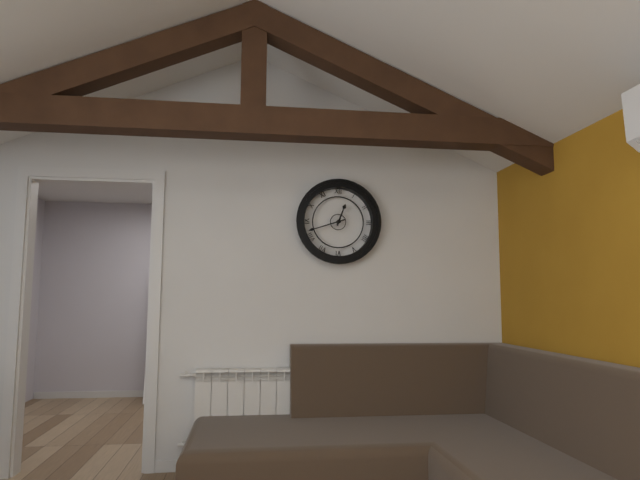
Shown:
12 h 42 min
